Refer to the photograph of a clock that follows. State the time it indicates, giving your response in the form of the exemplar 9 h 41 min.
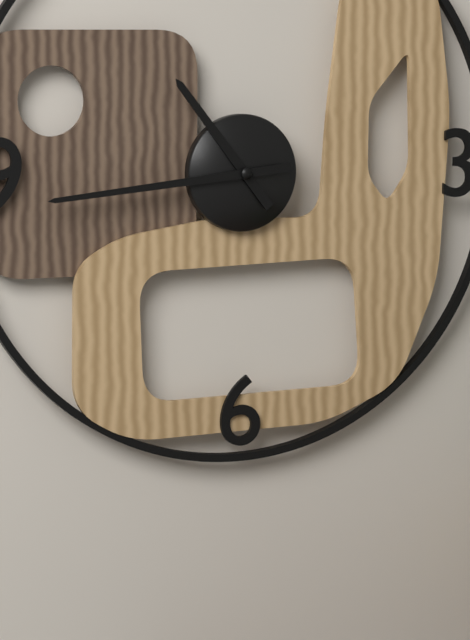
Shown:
10 h 44 min
